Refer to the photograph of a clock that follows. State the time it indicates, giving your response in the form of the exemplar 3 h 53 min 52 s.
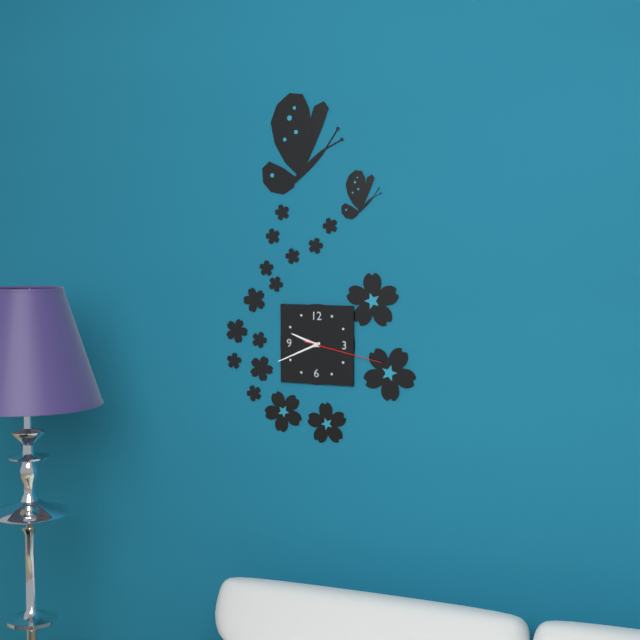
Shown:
9 h 41 min 17 s
